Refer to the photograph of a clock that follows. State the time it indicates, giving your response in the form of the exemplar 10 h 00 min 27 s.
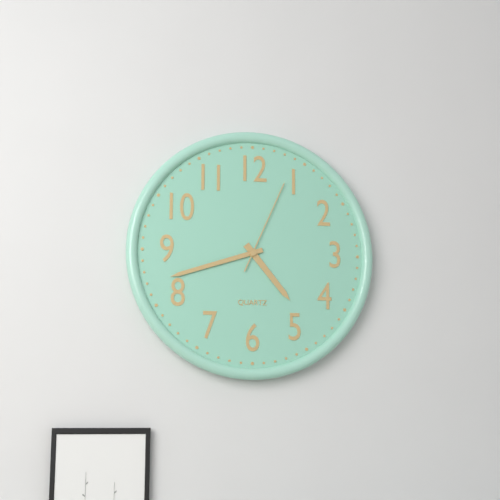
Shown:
4 h 42 min 04 s
